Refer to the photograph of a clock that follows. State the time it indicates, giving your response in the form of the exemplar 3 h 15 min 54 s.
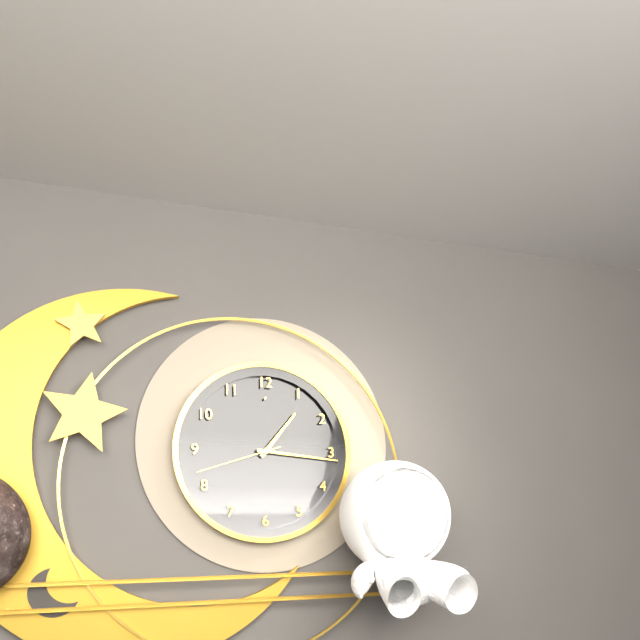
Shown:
1 h 16 min 42 s
